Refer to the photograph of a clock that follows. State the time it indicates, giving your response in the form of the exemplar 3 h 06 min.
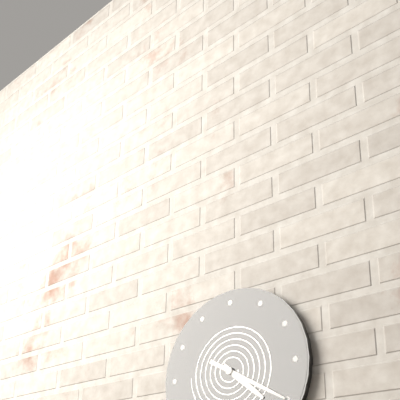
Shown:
4 h 20 min
